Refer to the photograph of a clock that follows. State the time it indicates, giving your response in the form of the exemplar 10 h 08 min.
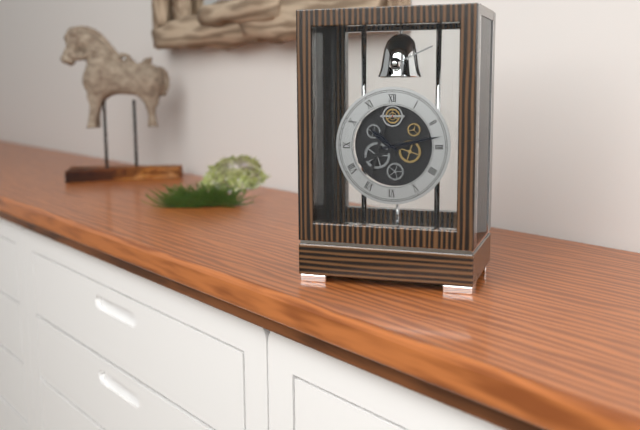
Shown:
10 h 13 min
